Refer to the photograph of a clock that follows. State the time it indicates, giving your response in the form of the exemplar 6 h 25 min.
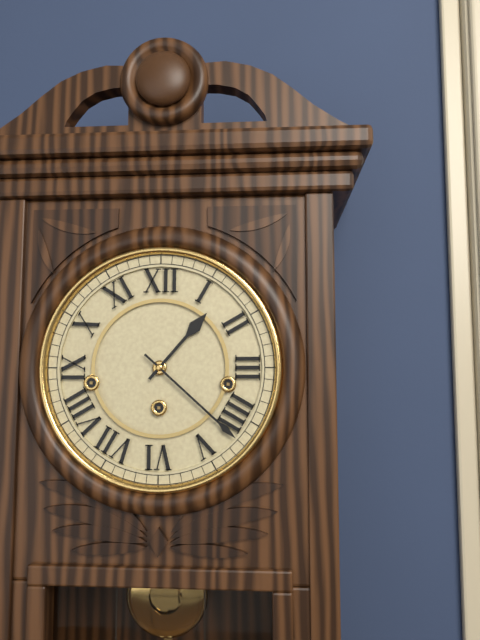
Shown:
1 h 22 min
